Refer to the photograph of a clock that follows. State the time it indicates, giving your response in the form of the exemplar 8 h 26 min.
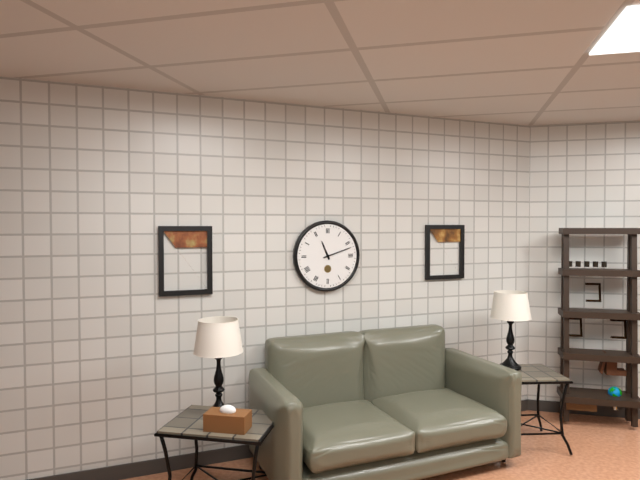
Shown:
11 h 12 min
